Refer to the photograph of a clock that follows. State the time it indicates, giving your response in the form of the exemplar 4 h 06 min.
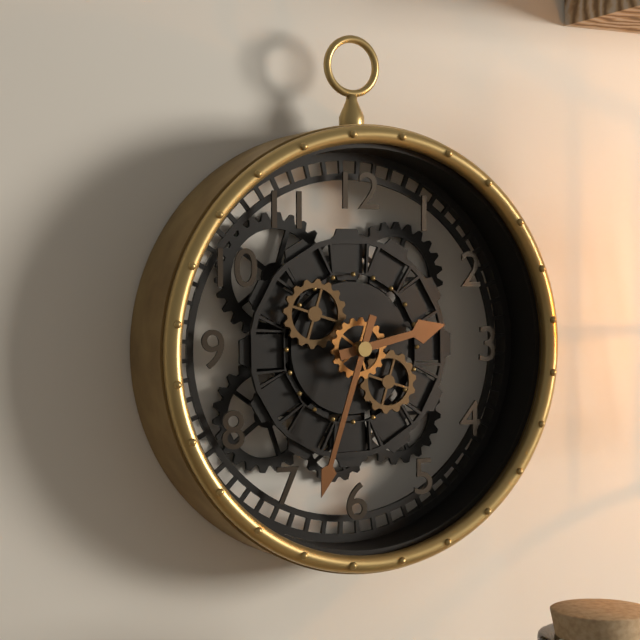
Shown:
2 h 33 min
